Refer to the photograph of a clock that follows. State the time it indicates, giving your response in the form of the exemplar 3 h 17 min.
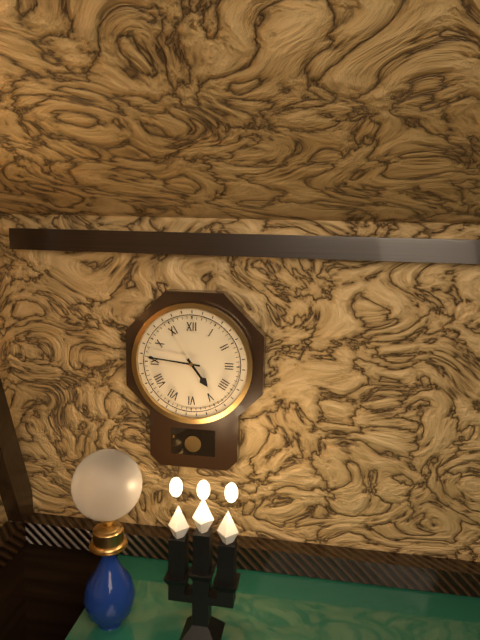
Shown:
4 h 46 min
